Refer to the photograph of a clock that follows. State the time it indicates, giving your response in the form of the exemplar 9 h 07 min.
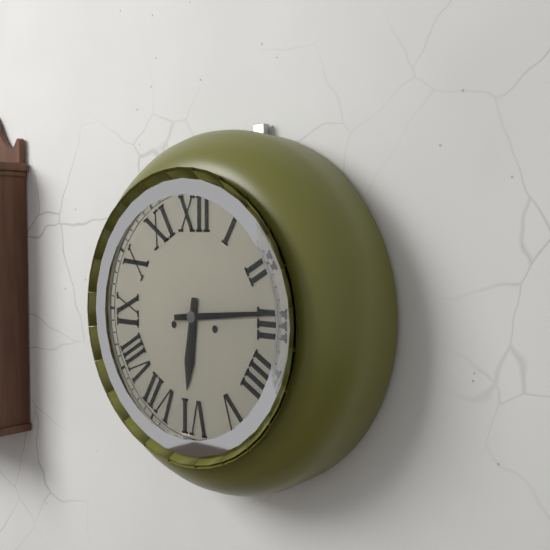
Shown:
6 h 14 min
